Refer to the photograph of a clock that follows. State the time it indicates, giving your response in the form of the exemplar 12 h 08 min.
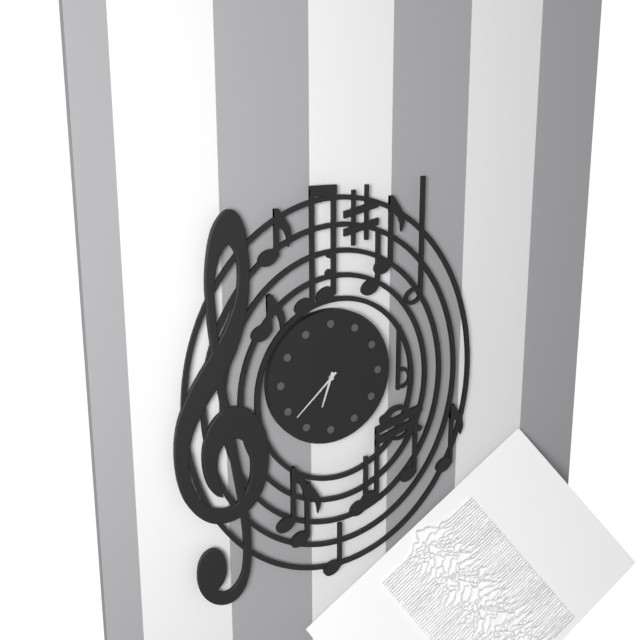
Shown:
6 h 38 min
